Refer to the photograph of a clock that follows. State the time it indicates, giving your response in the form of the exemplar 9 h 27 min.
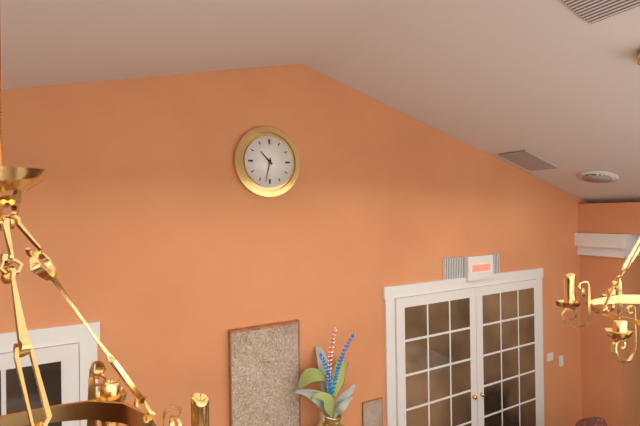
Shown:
10 h 32 min
